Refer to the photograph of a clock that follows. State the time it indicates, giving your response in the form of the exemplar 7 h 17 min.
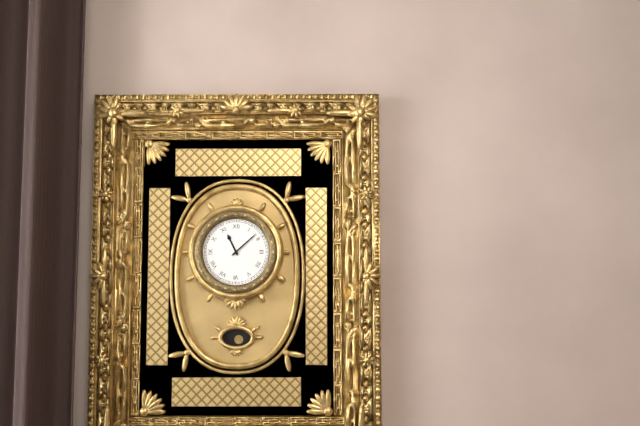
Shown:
11 h 08 min
